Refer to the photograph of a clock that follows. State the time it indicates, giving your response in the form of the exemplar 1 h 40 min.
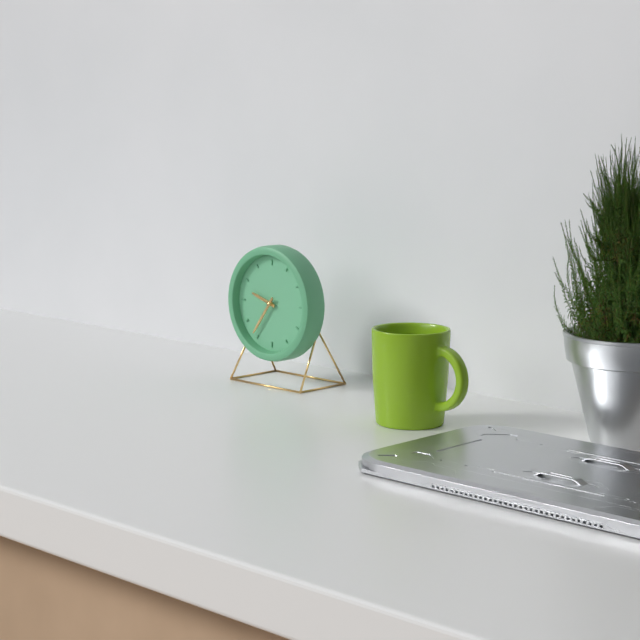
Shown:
9 h 36 min
